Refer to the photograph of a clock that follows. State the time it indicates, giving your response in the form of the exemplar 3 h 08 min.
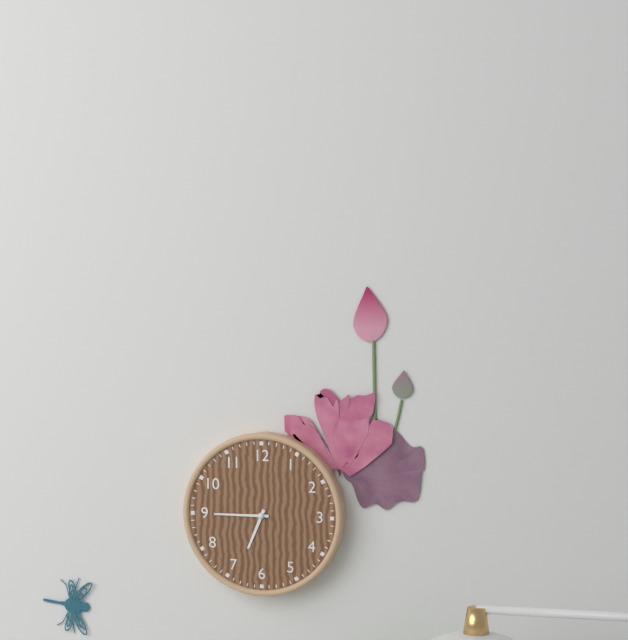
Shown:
6 h 45 min
